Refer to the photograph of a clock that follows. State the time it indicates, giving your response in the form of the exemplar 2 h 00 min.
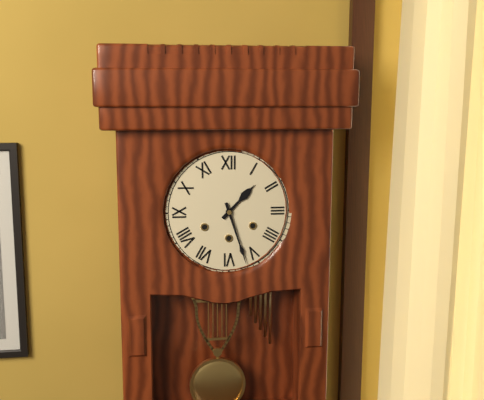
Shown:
1 h 27 min
